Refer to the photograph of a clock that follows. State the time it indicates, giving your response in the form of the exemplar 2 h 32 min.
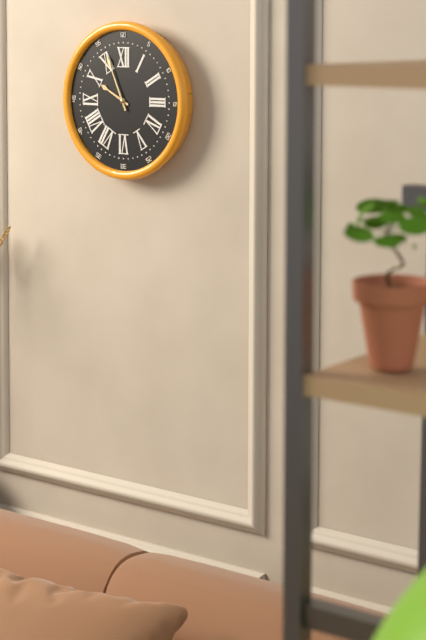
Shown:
9 h 56 min
